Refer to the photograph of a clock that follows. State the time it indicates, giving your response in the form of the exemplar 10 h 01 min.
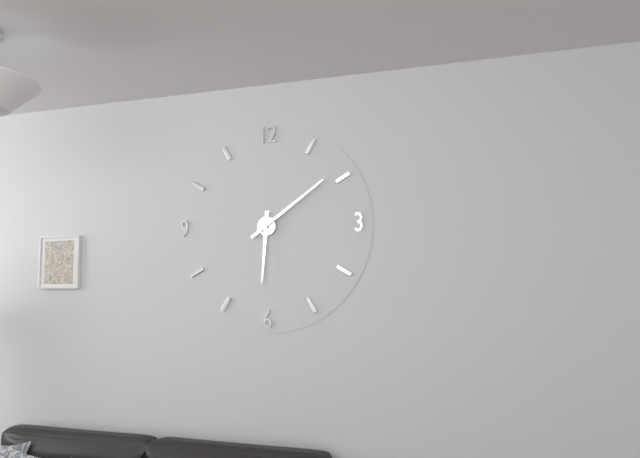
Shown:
6 h 09 min
